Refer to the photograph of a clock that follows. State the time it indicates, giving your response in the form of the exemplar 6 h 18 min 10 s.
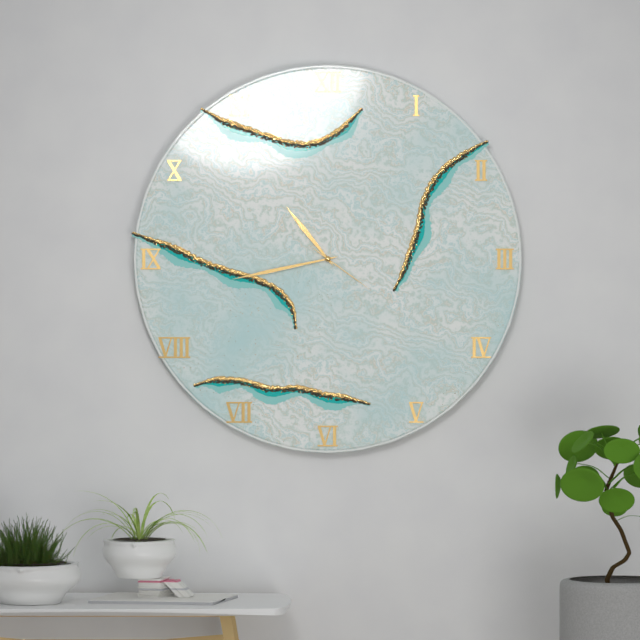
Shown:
10 h 43 min 21 s
